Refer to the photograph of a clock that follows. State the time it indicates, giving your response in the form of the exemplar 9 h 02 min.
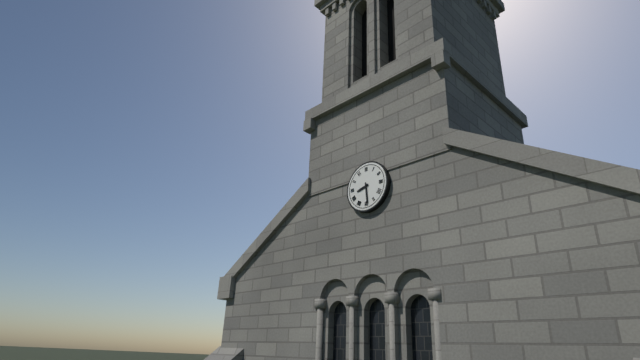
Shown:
8 h 29 min
